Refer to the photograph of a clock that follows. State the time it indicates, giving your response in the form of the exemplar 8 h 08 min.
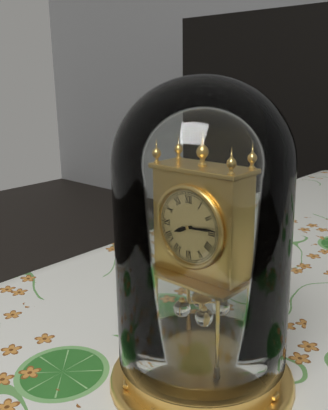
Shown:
8 h 14 min
